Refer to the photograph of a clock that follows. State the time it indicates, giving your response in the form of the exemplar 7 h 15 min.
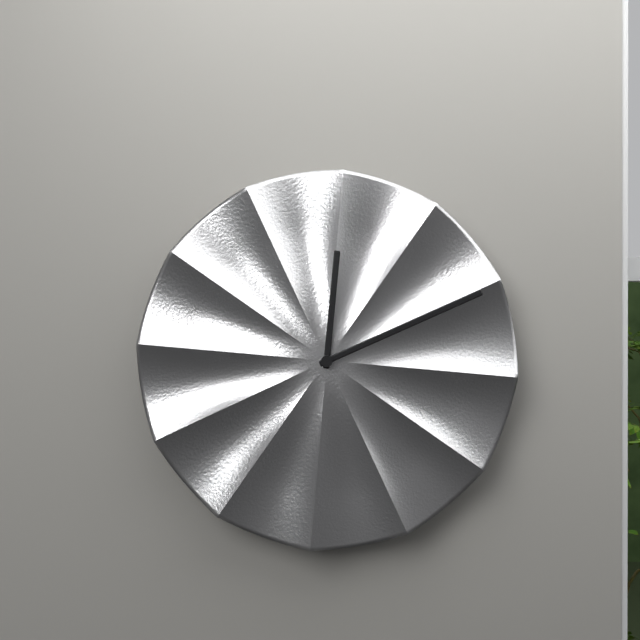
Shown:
12 h 11 min
